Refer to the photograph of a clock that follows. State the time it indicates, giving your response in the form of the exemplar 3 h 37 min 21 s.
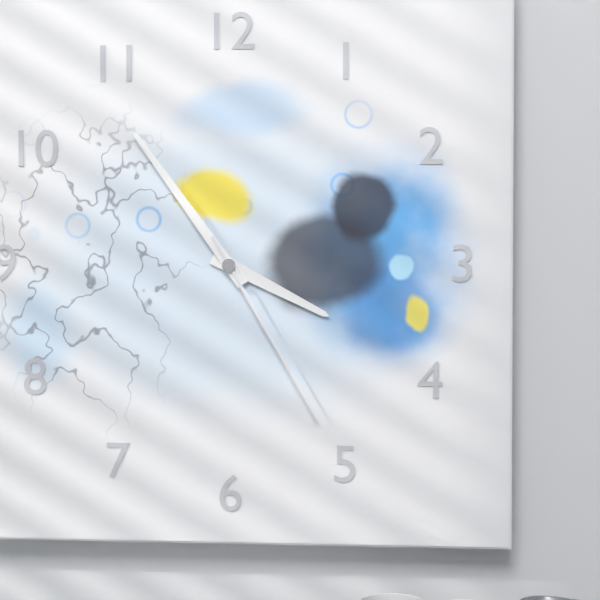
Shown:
3 h 54 min 25 s
